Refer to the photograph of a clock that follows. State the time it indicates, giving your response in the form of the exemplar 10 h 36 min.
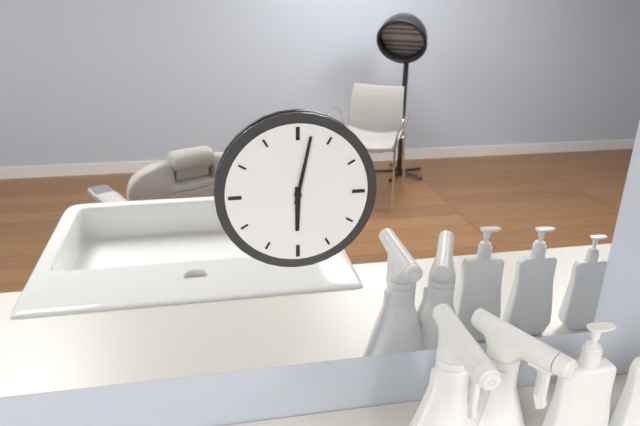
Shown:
6 h 02 min
